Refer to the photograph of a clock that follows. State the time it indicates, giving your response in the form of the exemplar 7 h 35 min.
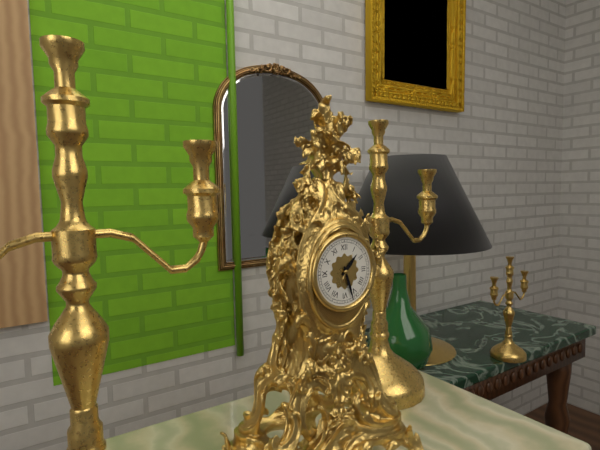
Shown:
1 h 27 min
